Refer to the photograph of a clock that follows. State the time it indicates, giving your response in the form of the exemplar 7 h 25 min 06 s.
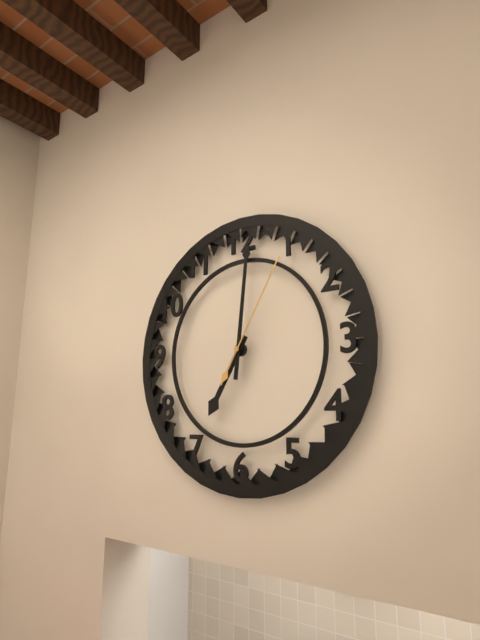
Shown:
7 h 01 min 05 s
